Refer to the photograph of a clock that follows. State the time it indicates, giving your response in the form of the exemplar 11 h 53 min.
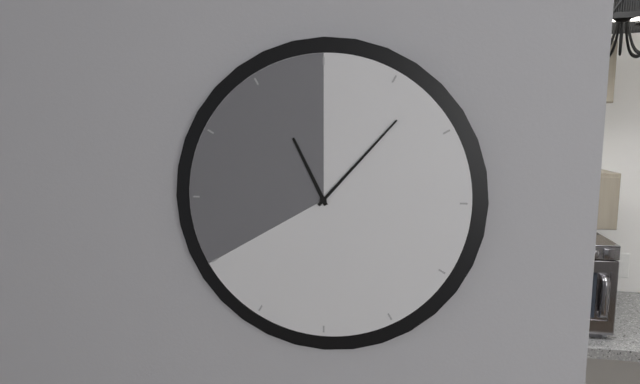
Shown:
11 h 07 min
